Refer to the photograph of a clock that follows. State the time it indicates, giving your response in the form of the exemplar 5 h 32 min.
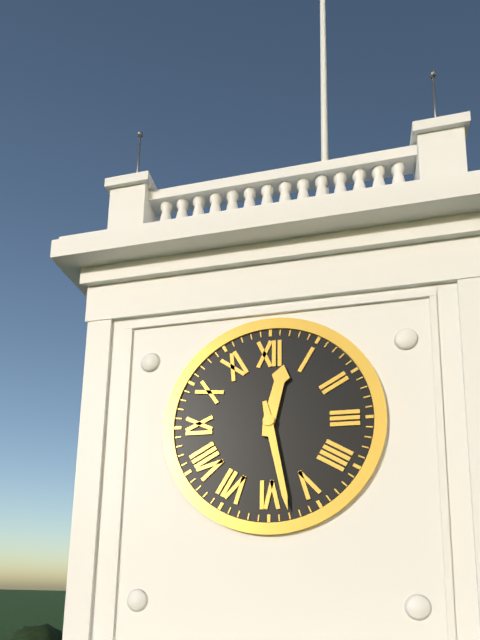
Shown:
12 h 28 min
